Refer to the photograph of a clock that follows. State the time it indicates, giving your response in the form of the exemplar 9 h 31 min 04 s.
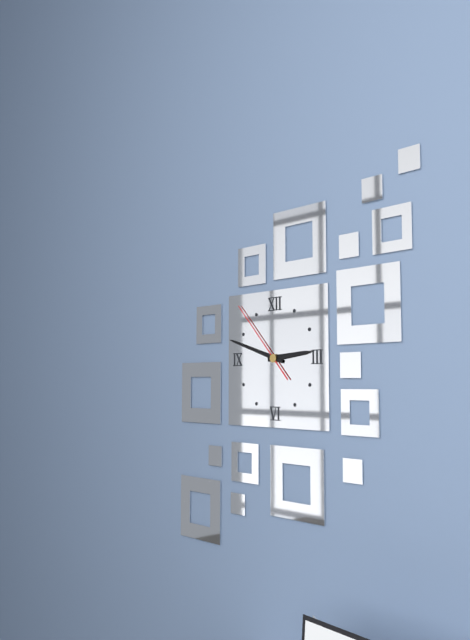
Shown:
2 h 48 min 53 s
